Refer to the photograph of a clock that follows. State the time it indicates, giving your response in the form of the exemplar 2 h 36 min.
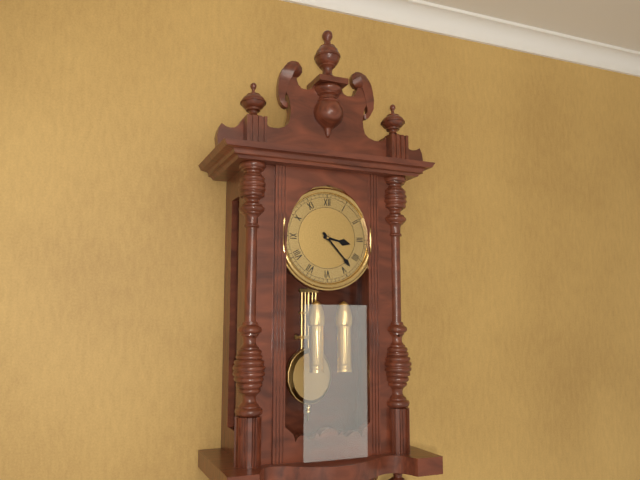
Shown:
3 h 23 min
